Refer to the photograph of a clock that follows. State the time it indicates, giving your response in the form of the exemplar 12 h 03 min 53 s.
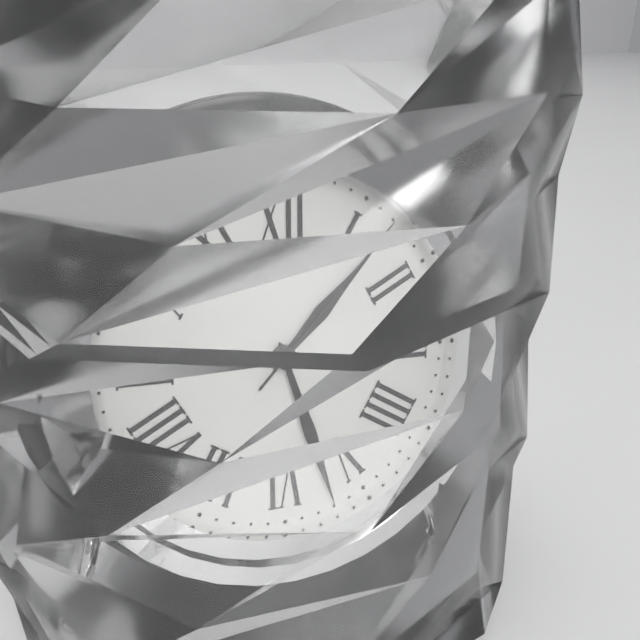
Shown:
1 h 27 min 07 s
